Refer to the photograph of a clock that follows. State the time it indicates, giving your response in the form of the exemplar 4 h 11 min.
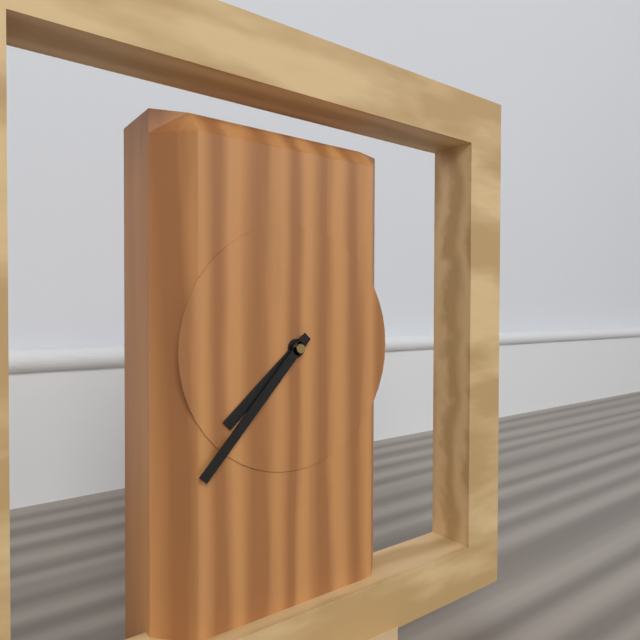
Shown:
7 h 37 min
